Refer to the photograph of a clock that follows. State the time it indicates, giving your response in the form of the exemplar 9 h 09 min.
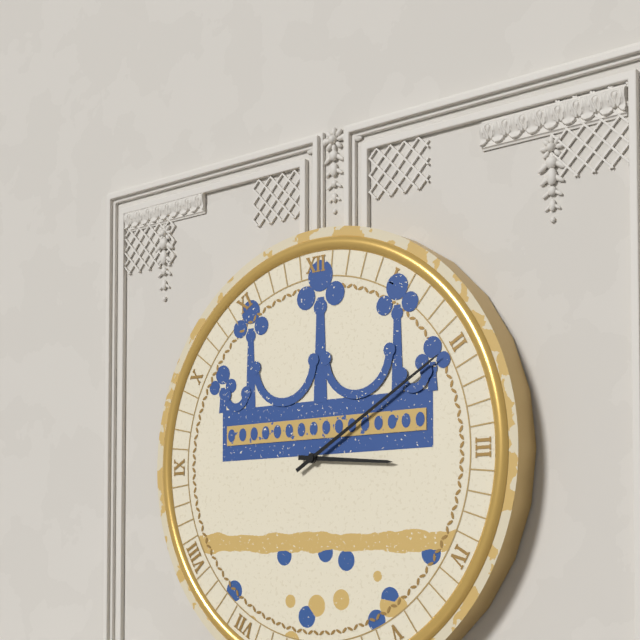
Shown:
3 h 10 min
